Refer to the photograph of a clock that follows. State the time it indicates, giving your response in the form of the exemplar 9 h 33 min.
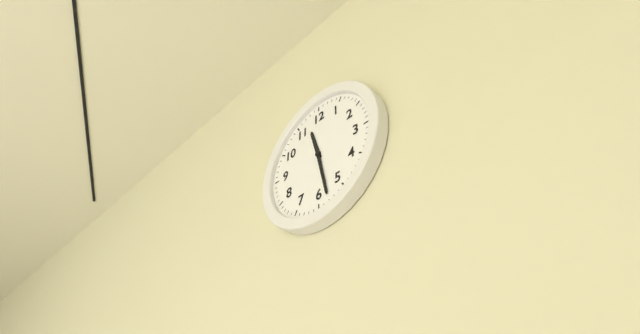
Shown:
11 h 28 min
